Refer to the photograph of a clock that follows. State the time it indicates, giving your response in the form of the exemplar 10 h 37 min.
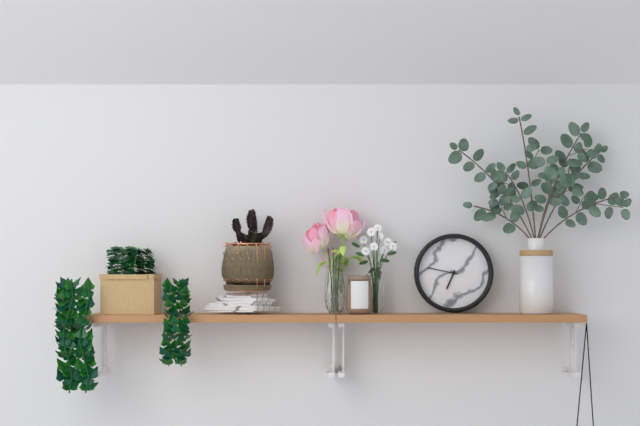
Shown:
6 h 47 min
